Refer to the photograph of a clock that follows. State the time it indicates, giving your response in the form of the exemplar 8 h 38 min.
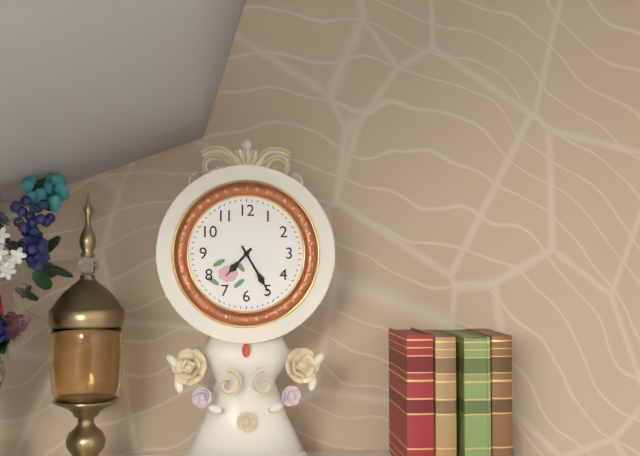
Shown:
7 h 25 min
